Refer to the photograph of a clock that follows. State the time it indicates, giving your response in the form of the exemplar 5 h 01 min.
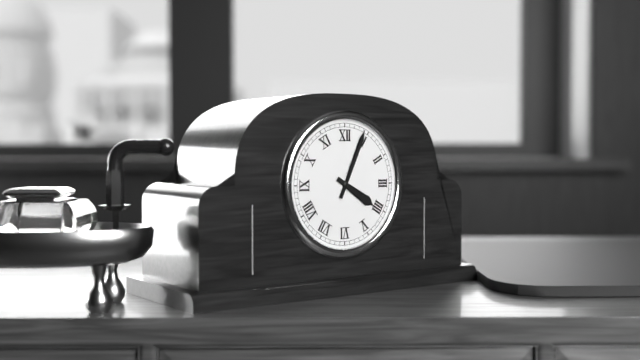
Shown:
4 h 04 min
